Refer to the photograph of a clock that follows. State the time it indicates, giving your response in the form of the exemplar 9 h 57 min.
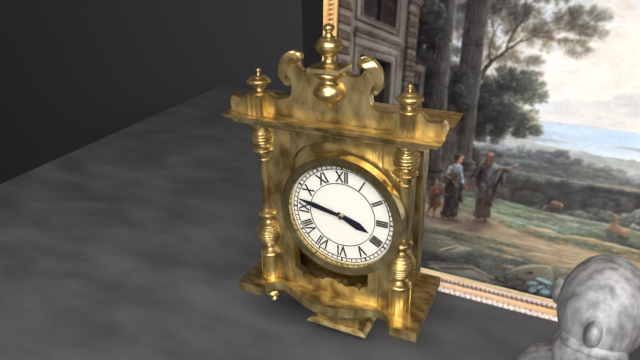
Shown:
3 h 47 min
